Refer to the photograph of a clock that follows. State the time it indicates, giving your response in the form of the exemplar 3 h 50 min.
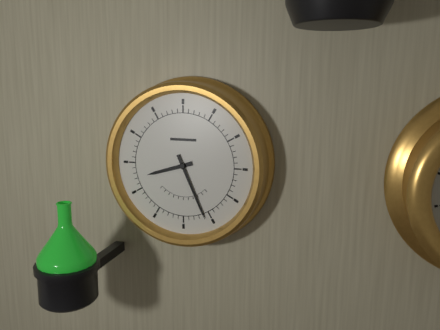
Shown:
8 h 26 min
